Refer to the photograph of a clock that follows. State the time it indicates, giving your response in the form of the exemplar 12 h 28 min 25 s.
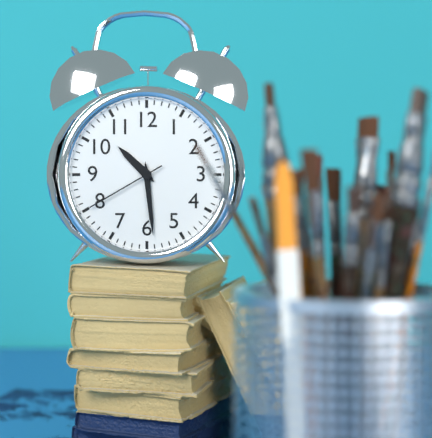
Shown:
10 h 29 min 40 s
